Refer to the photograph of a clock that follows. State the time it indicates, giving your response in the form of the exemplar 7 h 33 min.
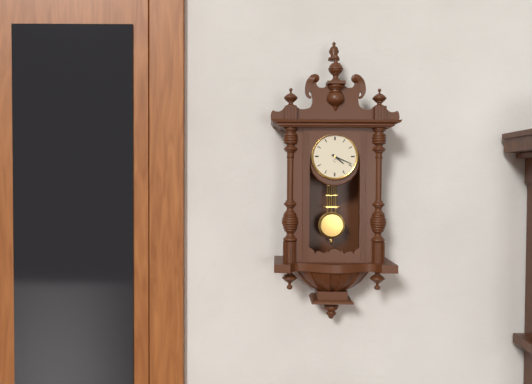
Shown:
4 h 19 min
